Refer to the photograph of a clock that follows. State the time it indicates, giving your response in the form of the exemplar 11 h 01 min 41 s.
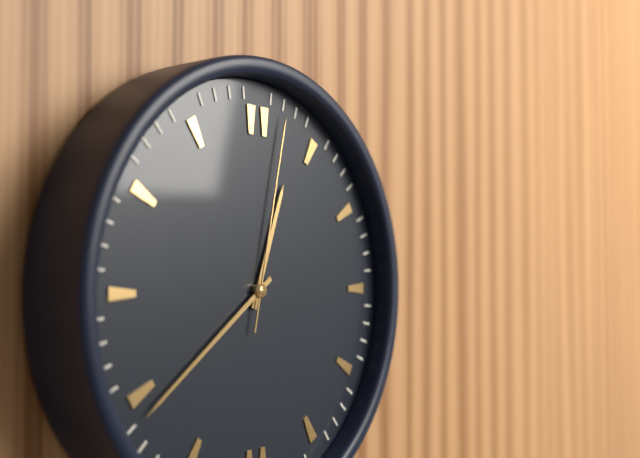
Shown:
12 h 39 min 02 s
